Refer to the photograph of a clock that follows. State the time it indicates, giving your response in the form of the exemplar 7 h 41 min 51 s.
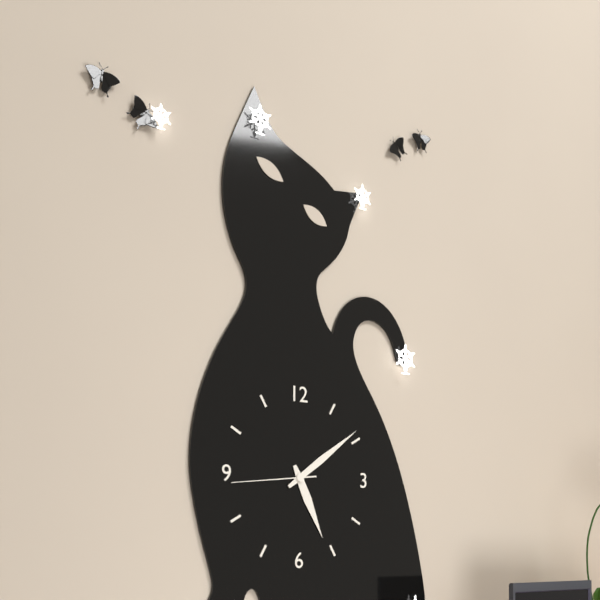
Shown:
5 h 09 min 44 s
